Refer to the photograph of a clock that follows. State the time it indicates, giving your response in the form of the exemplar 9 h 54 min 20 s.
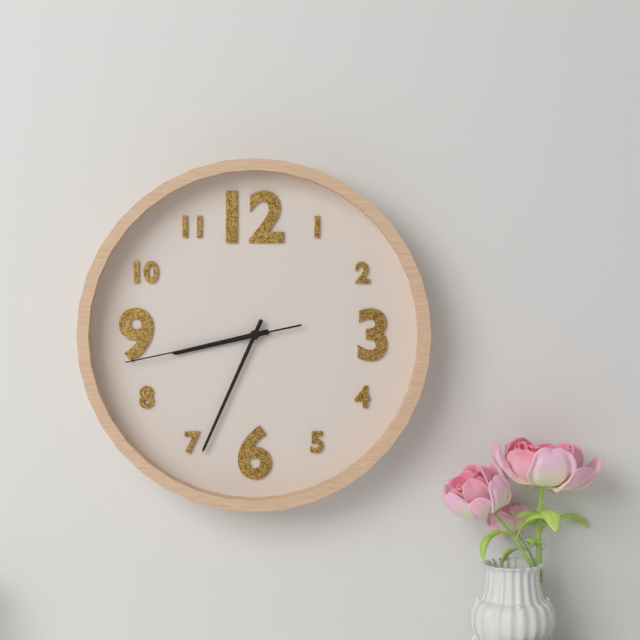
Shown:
8 h 34 min 43 s
